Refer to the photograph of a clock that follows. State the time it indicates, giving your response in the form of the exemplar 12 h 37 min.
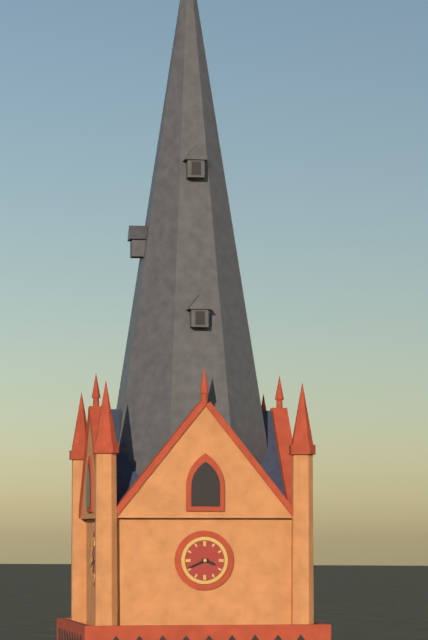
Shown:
3 h 41 min
